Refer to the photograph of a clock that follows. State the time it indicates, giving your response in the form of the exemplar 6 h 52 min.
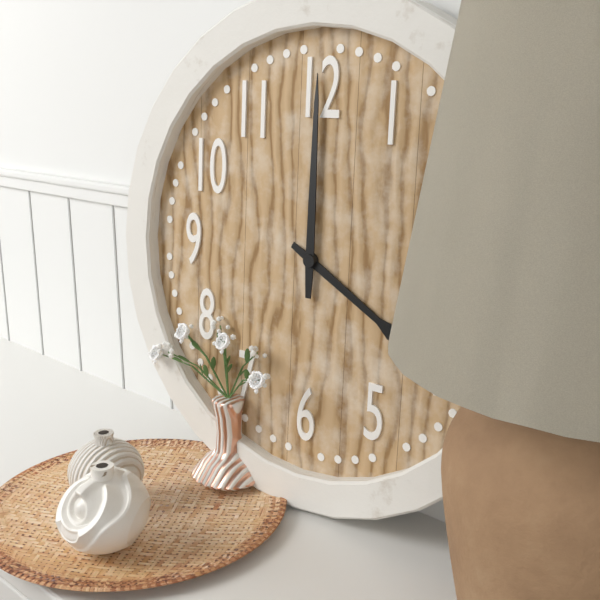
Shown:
4 h 00 min
